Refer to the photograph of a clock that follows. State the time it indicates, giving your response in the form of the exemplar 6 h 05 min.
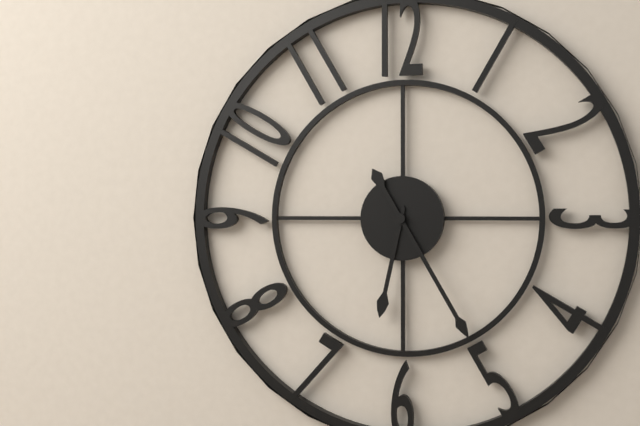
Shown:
6 h 25 min
